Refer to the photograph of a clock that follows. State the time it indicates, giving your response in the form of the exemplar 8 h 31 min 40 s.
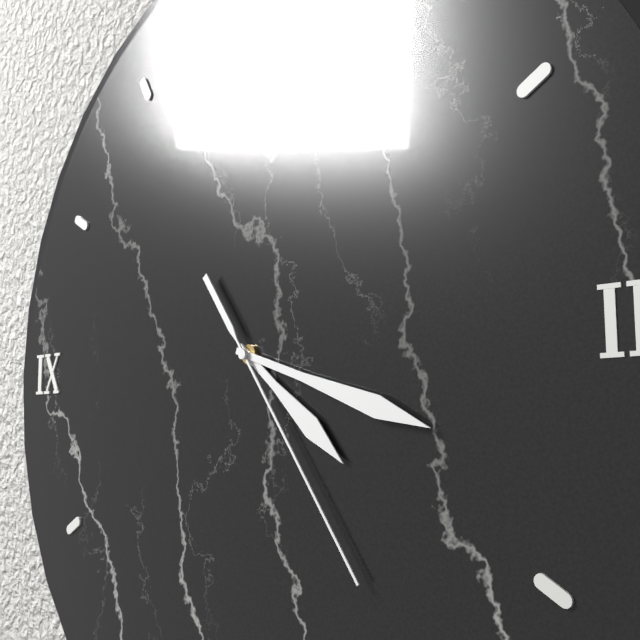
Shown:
4 h 18 min 24 s
